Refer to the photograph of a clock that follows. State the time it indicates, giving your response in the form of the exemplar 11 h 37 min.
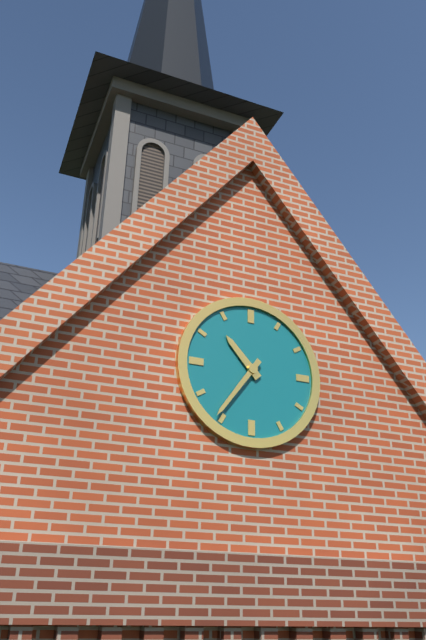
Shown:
10 h 36 min
